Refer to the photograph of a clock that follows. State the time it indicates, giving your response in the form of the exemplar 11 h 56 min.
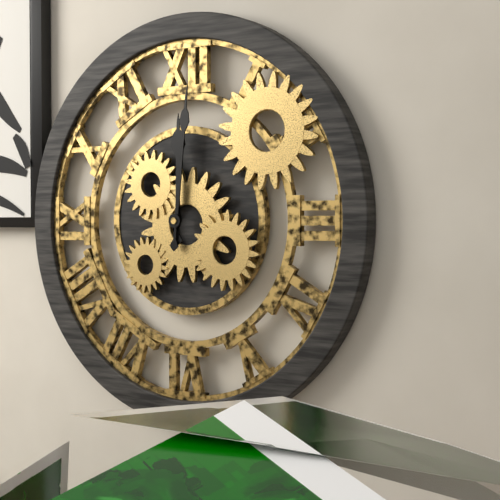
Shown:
12 h 01 min
